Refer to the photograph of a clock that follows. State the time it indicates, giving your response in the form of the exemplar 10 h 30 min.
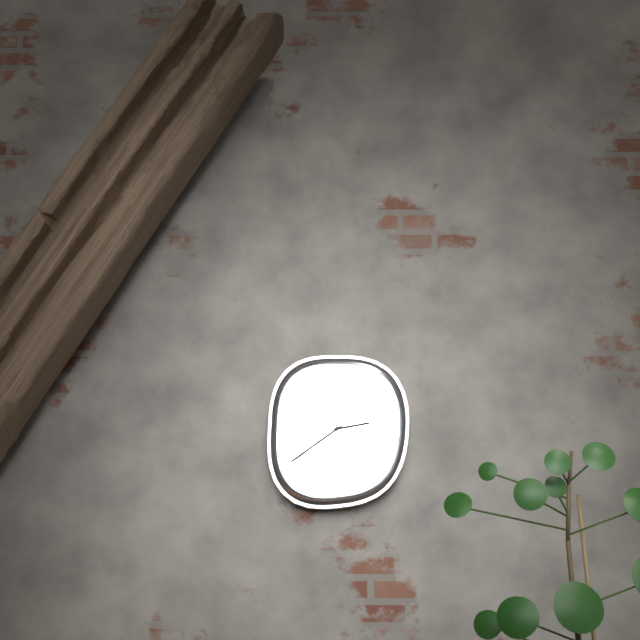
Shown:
2 h 39 min
